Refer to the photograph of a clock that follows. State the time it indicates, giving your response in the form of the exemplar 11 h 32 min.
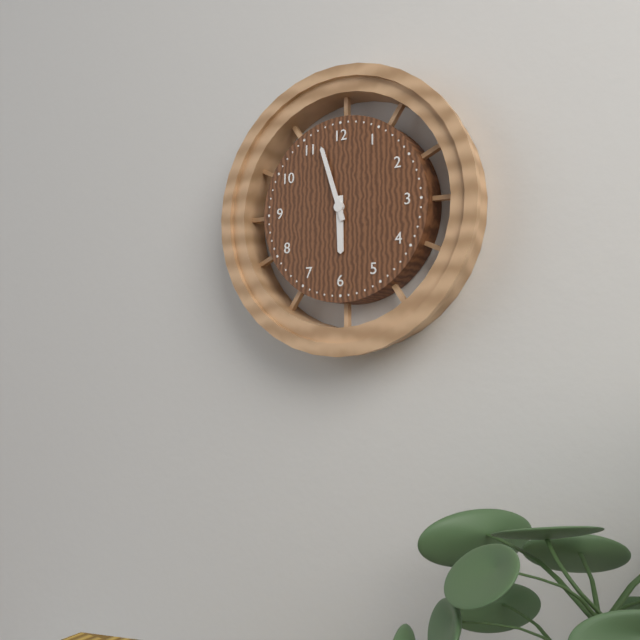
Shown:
5 h 57 min
